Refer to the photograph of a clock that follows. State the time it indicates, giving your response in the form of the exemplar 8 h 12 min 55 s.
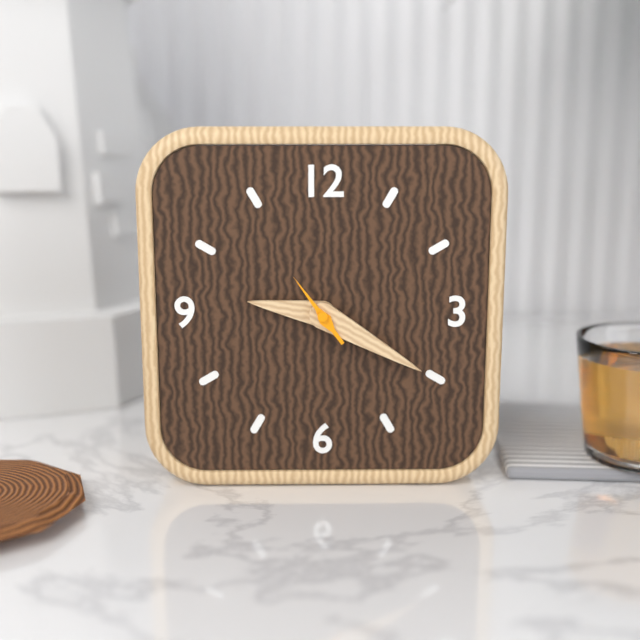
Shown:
9 h 20 min 54 s
